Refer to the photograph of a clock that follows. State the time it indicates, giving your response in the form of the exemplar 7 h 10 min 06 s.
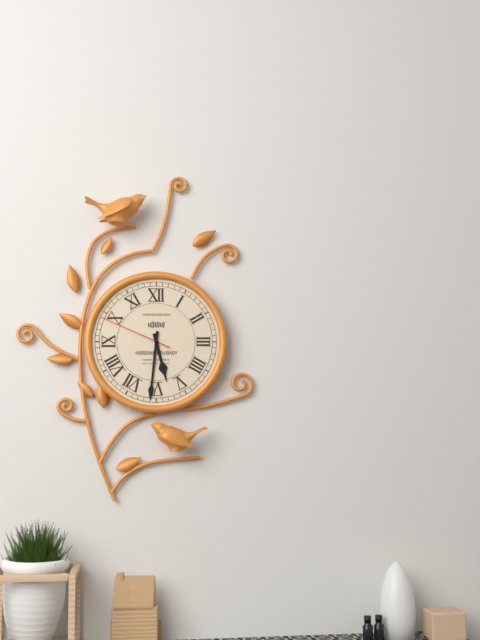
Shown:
5 h 31 min 49 s
